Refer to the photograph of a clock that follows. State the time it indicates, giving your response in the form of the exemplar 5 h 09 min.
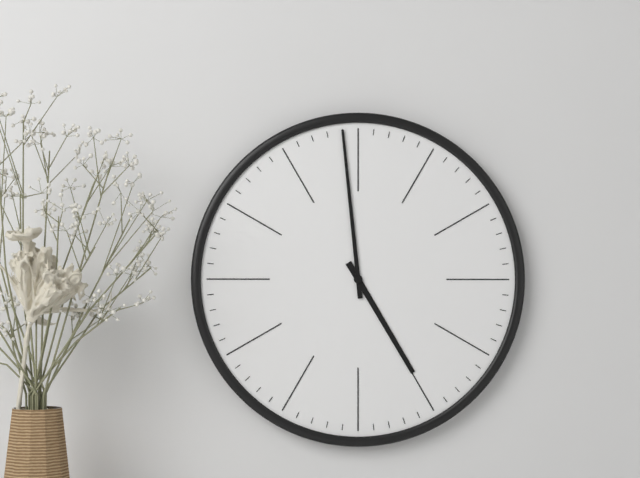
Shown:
4 h 59 min
